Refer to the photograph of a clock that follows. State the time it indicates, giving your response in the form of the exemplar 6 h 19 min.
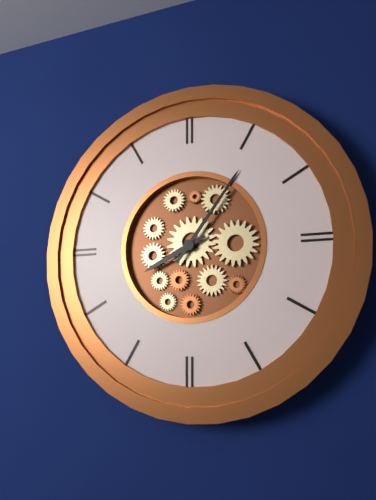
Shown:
8 h 06 min
